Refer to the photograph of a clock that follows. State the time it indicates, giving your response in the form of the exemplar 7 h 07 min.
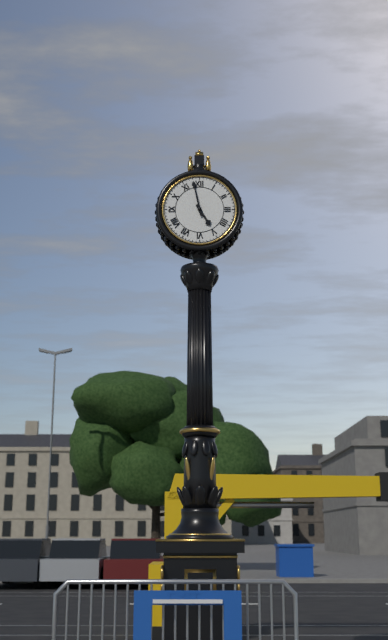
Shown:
4 h 58 min
